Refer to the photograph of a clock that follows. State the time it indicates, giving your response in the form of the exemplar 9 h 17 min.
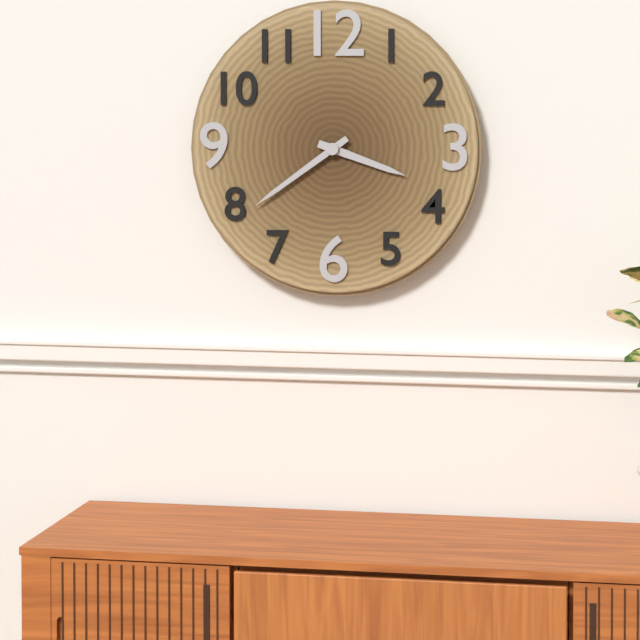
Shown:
3 h 39 min
